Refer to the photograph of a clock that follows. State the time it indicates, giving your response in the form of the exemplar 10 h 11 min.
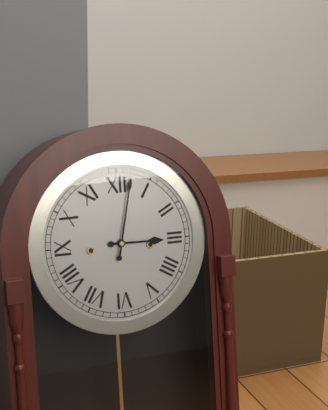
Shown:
3 h 02 min
